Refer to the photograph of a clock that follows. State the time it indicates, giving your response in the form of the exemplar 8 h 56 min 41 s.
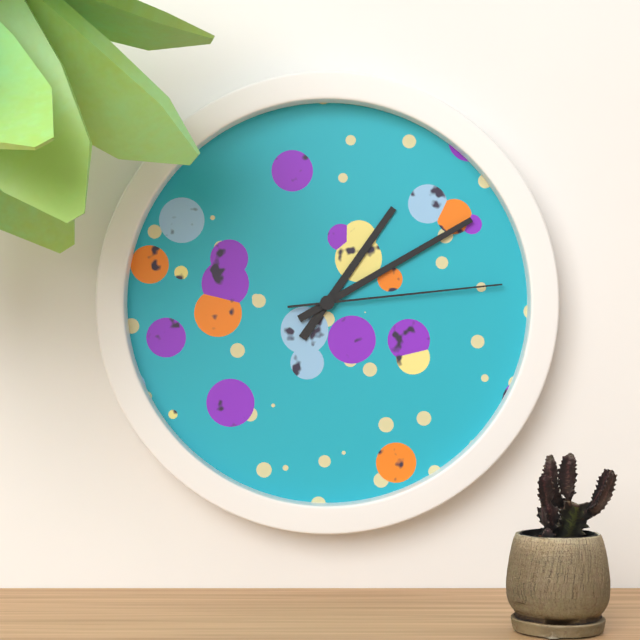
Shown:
1 h 10 min 14 s
